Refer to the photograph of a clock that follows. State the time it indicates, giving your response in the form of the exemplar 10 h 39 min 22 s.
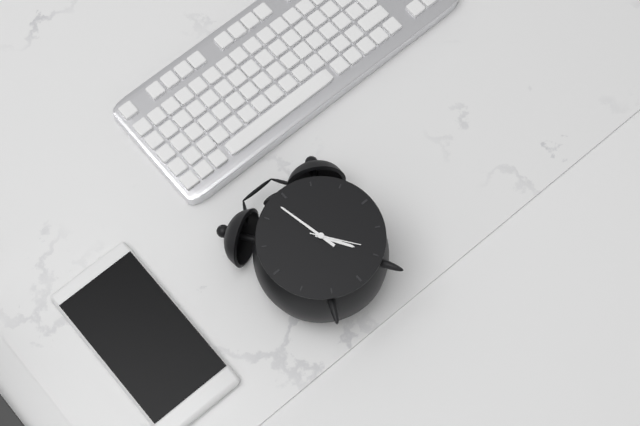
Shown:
4 h 58 min 24 s
